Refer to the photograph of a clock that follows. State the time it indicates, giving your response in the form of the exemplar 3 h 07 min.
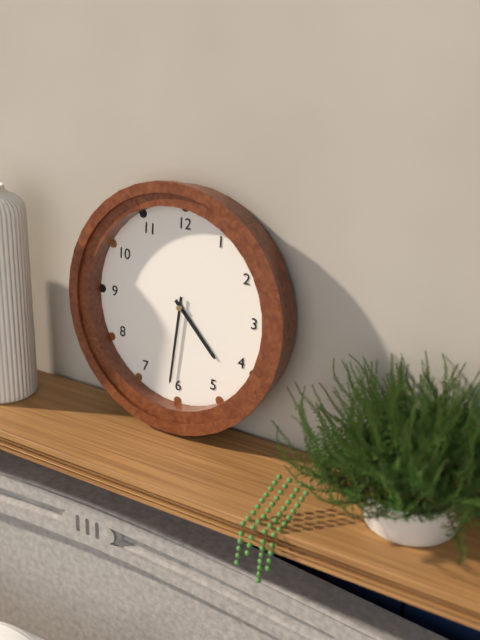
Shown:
4 h 31 min
